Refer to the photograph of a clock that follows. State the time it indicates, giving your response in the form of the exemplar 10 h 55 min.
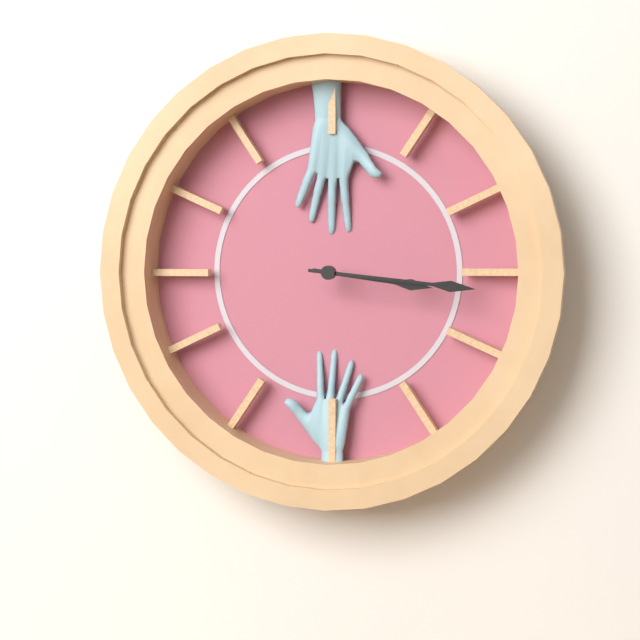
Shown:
3 h 16 min
